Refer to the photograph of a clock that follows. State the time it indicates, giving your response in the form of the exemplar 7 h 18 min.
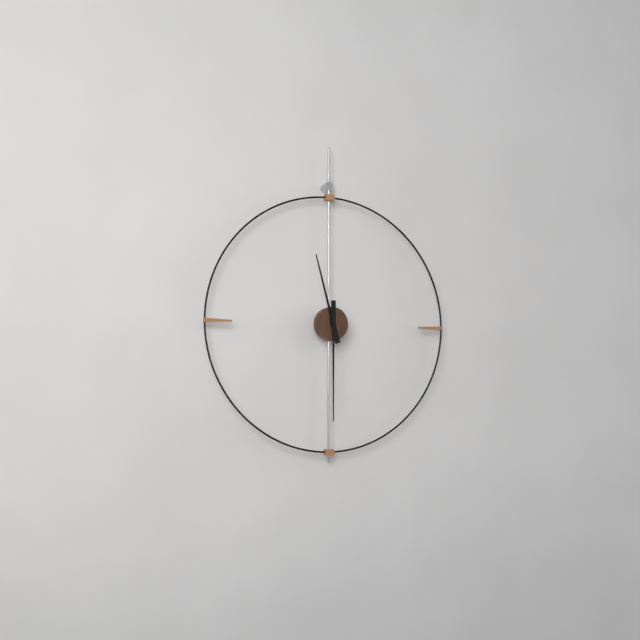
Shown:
11 h 30 min
